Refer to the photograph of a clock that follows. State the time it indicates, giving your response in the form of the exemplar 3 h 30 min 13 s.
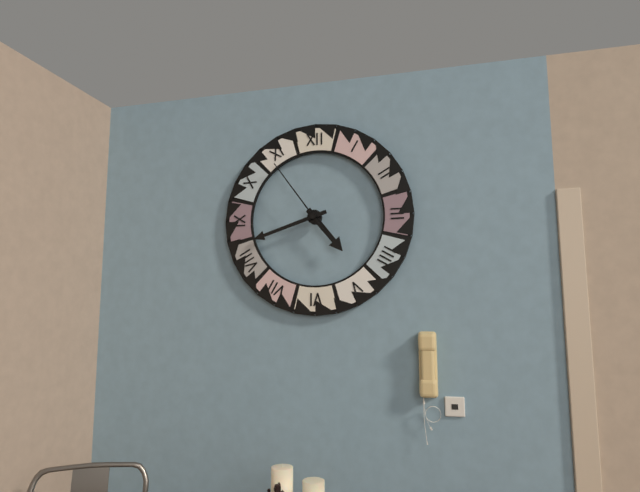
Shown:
4 h 42 min 54 s
